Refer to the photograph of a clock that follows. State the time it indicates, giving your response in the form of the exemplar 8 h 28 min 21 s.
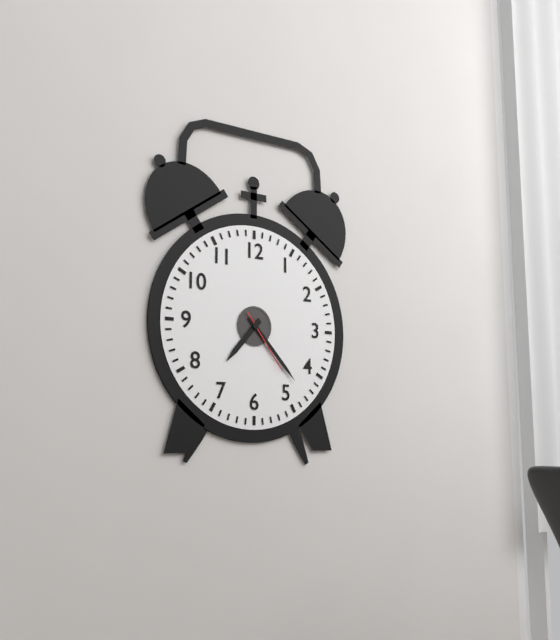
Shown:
7 h 23 min 24 s
